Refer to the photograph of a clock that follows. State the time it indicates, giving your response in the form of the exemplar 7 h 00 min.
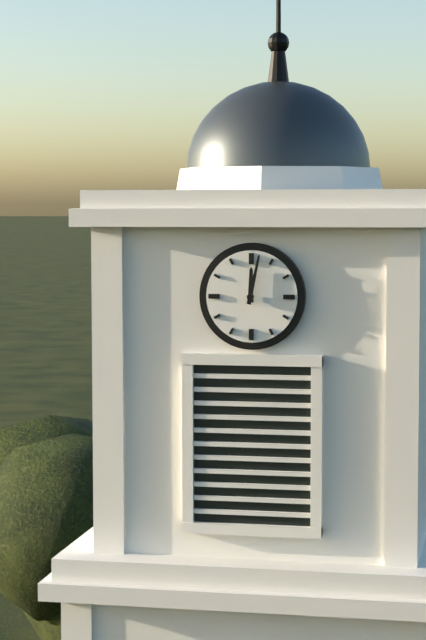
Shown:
12 h 02 min
